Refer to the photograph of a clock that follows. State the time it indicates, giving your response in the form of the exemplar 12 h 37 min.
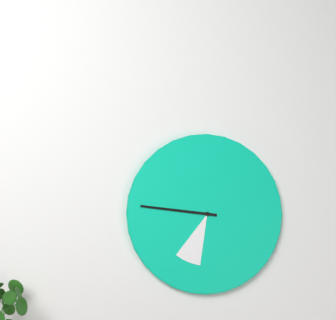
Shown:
6 h 46 min
